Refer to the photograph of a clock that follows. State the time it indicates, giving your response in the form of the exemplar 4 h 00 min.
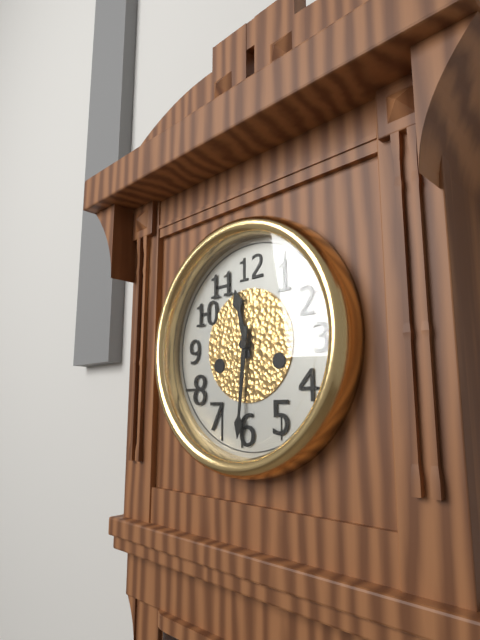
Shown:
11 h 31 min
